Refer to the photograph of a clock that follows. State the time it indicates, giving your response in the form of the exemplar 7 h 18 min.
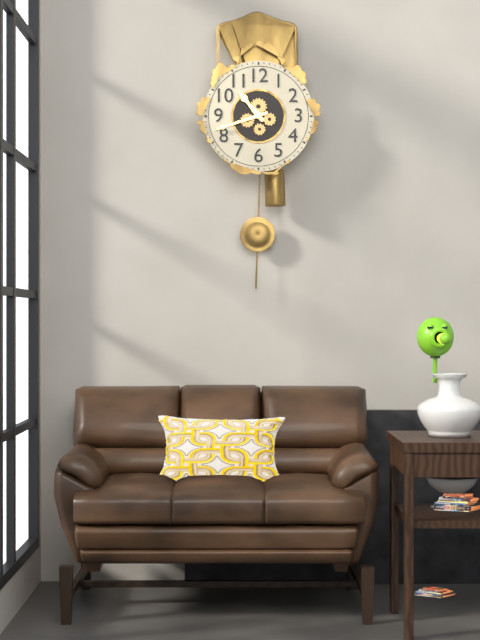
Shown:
10 h 42 min
